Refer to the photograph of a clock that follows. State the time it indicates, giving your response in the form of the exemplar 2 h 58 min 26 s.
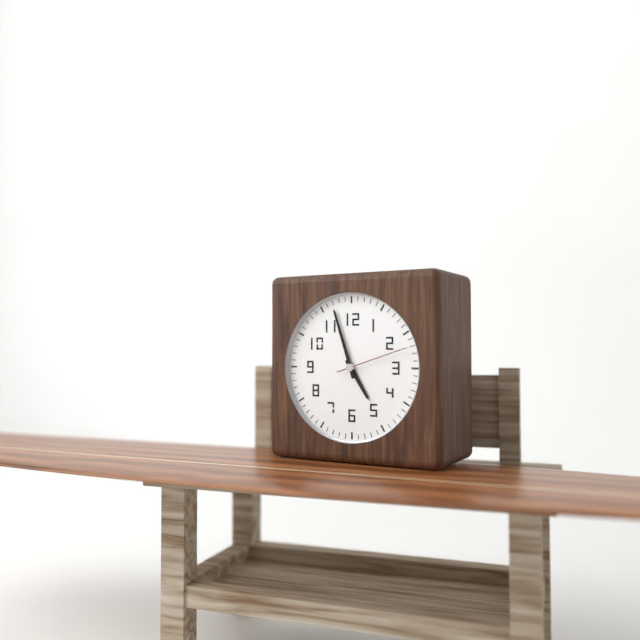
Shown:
4 h 57 min 12 s
